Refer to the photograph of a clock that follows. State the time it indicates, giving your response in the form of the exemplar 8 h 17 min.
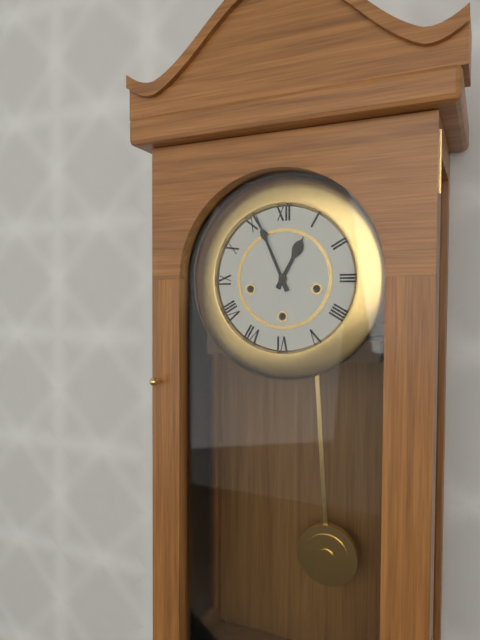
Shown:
12 h 56 min
